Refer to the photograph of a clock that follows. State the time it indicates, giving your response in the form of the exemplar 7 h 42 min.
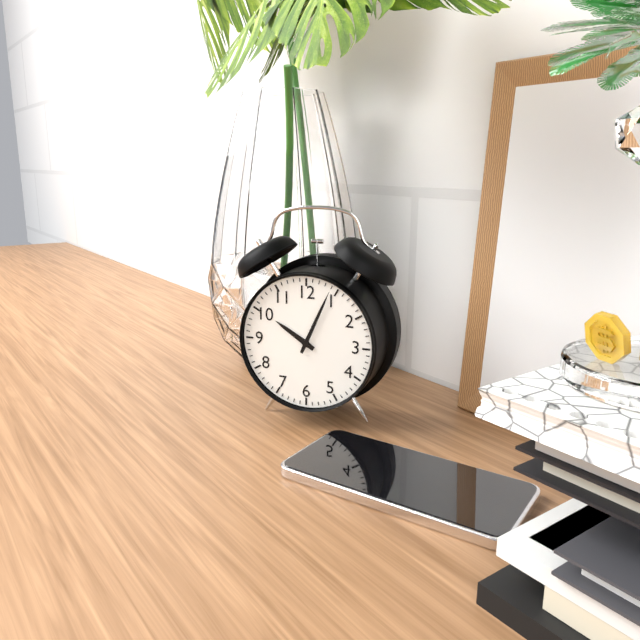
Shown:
10 h 04 min
